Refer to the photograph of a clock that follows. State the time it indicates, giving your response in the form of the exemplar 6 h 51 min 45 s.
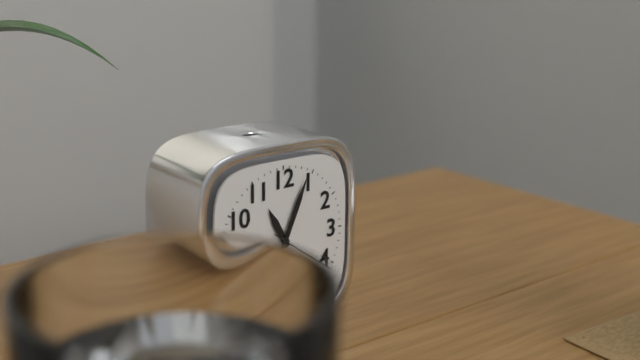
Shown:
11 h 04 min 21 s
